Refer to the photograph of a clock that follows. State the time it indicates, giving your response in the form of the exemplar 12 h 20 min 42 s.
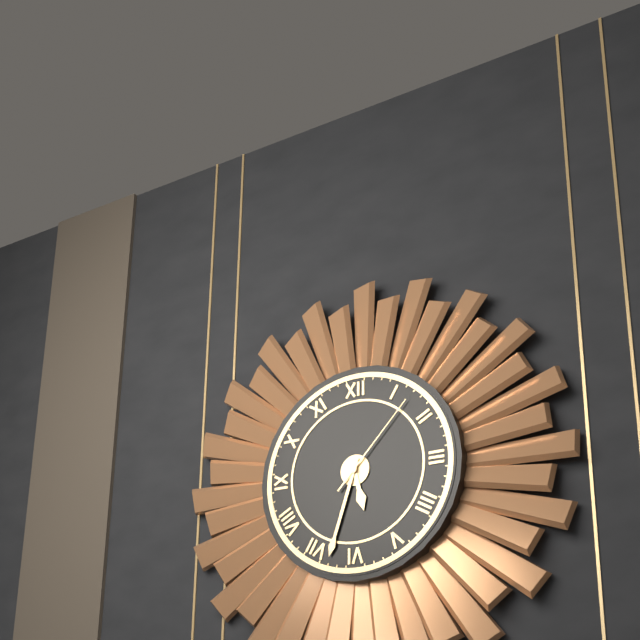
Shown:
5 h 33 min 07 s
